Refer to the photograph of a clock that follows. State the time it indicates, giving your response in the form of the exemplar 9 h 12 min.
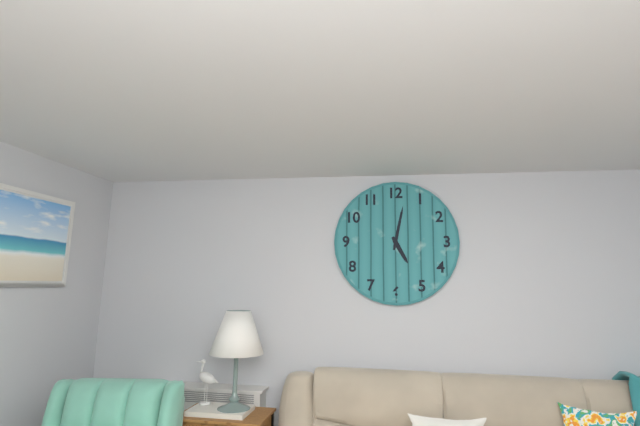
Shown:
5 h 02 min
